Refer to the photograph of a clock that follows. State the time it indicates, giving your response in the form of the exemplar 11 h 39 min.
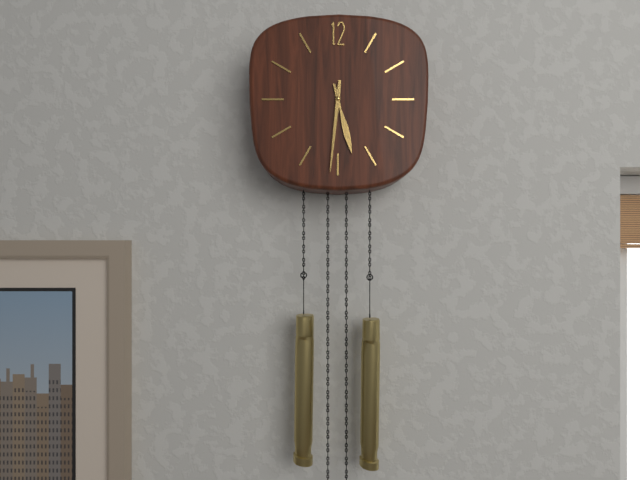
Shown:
5 h 31 min
